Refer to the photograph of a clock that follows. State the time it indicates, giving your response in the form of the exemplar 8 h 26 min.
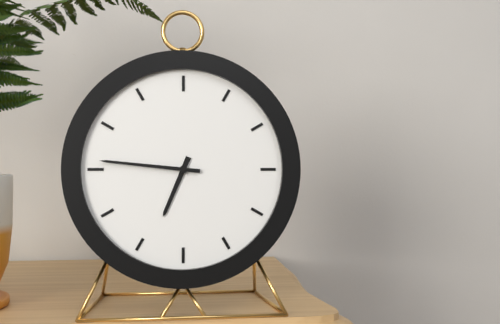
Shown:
6 h 46 min
